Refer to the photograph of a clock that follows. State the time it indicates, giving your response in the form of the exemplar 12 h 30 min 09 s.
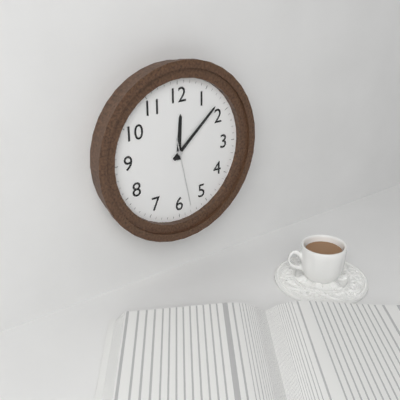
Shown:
12 h 08 min 28 s
